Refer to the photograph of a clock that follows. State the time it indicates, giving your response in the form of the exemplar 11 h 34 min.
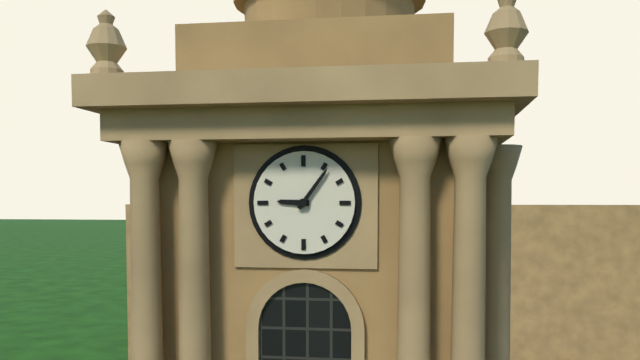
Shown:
9 h 06 min
